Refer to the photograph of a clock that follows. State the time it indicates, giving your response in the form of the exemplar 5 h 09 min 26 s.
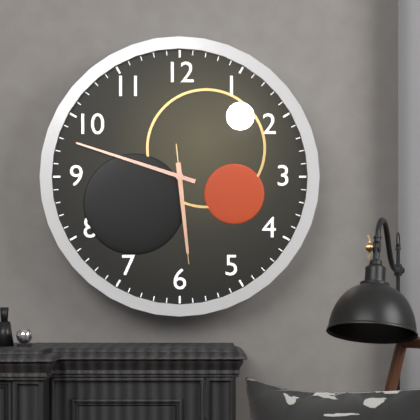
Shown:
5 h 48 min 29 s
